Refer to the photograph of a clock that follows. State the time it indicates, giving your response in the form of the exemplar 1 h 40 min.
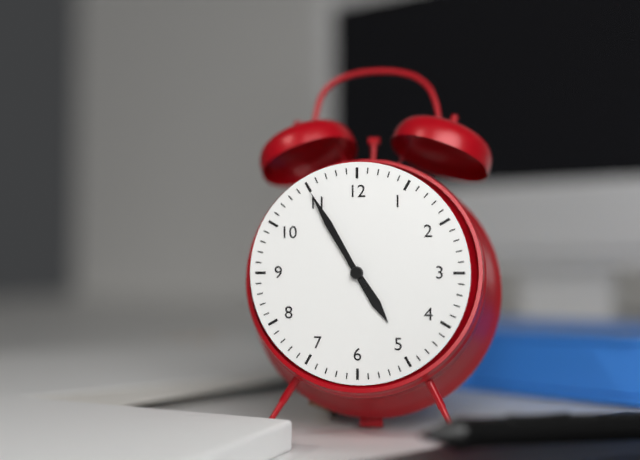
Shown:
4 h 55 min
